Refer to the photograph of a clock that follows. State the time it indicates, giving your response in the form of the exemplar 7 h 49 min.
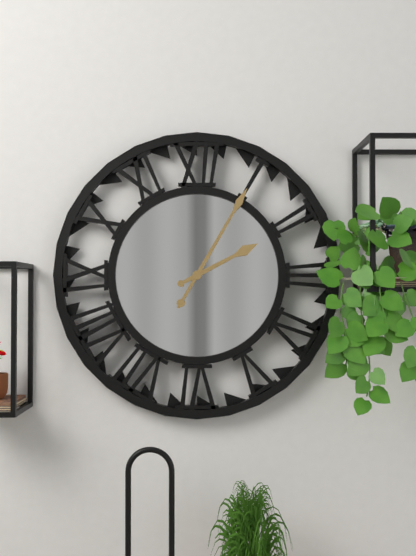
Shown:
2 h 05 min
